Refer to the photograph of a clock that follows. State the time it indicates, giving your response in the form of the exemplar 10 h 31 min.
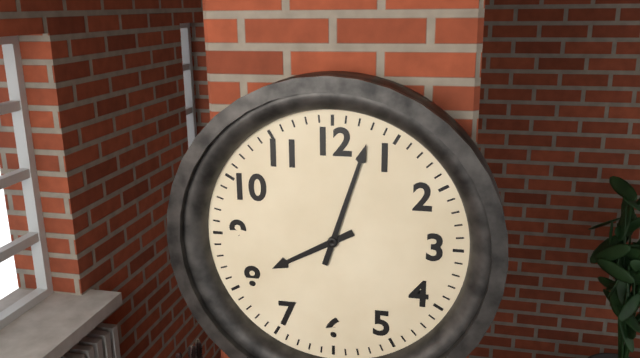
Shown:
8 h 03 min
